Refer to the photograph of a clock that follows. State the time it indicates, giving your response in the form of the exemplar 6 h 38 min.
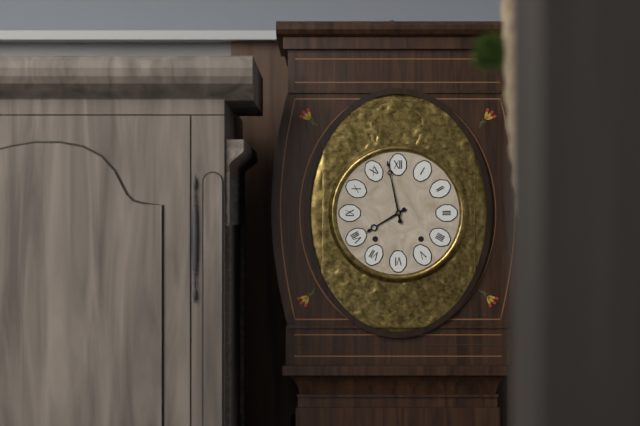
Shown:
7 h 58 min
